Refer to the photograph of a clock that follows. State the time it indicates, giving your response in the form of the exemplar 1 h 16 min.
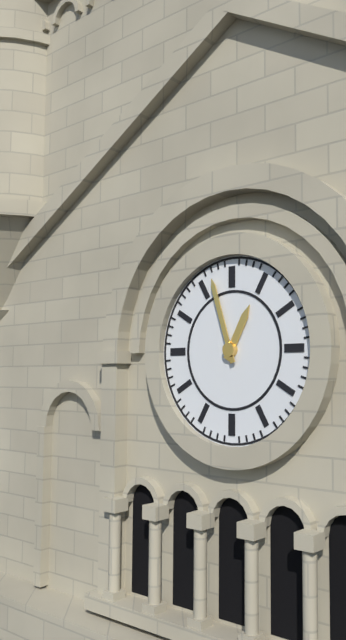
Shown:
12 h 57 min
